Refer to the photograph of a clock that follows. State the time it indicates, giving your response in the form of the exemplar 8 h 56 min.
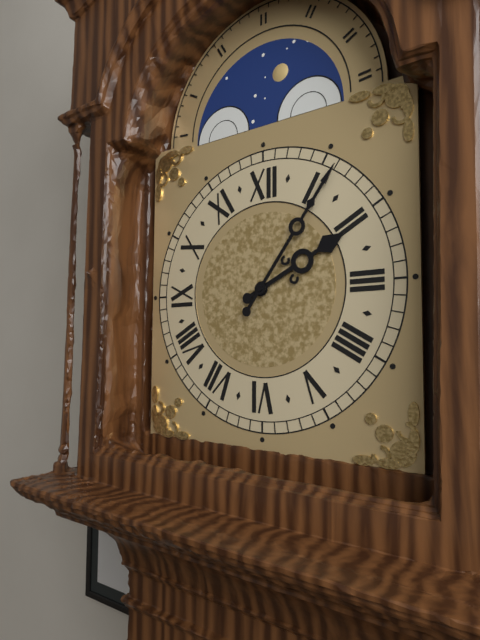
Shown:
2 h 06 min
